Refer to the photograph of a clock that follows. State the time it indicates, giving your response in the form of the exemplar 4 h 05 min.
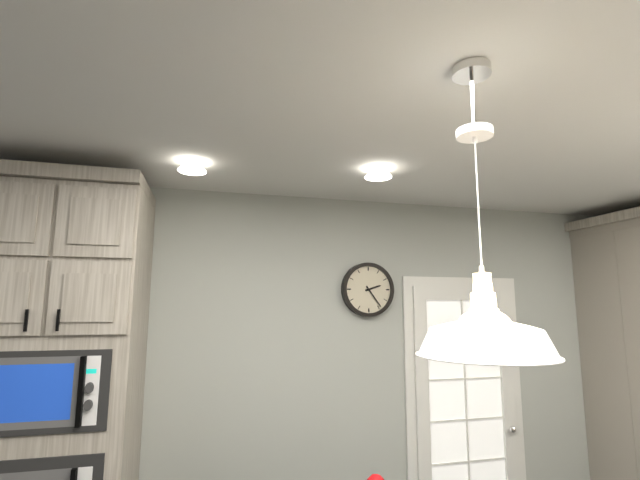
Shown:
2 h 24 min
